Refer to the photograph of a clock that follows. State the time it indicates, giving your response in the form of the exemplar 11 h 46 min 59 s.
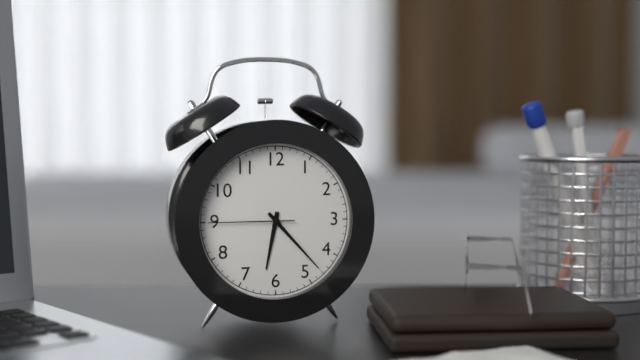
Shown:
6 h 23 min 45 s
